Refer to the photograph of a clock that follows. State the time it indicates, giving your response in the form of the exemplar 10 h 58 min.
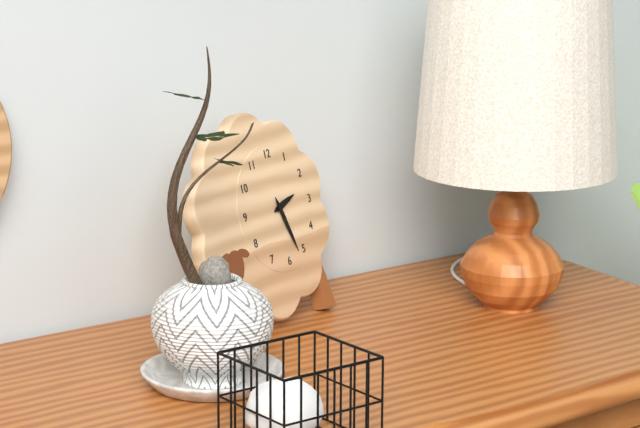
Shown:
2 h 27 min
